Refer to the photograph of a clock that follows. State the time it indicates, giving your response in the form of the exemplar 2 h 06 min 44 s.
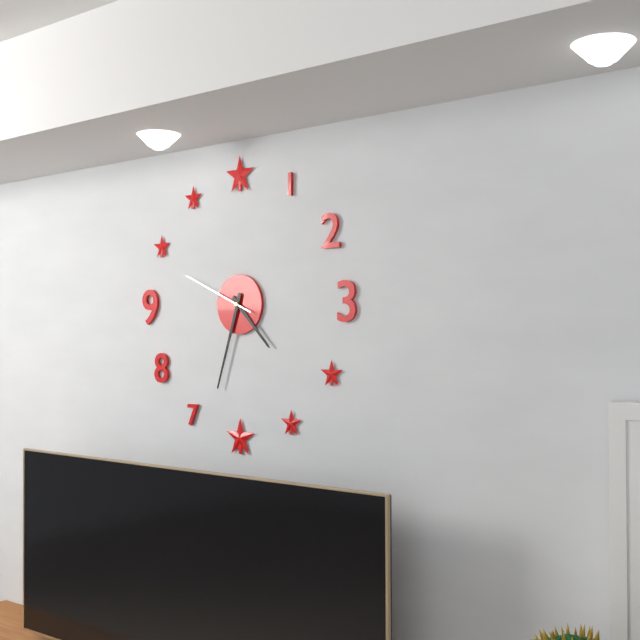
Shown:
4 h 33 min 49 s
